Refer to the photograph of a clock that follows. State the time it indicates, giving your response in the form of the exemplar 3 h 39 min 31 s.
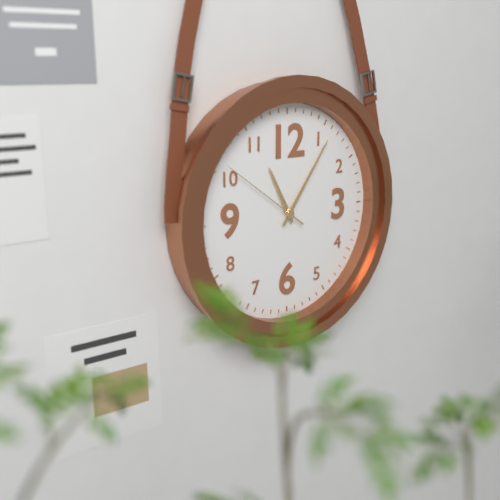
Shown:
11 h 06 min 51 s
